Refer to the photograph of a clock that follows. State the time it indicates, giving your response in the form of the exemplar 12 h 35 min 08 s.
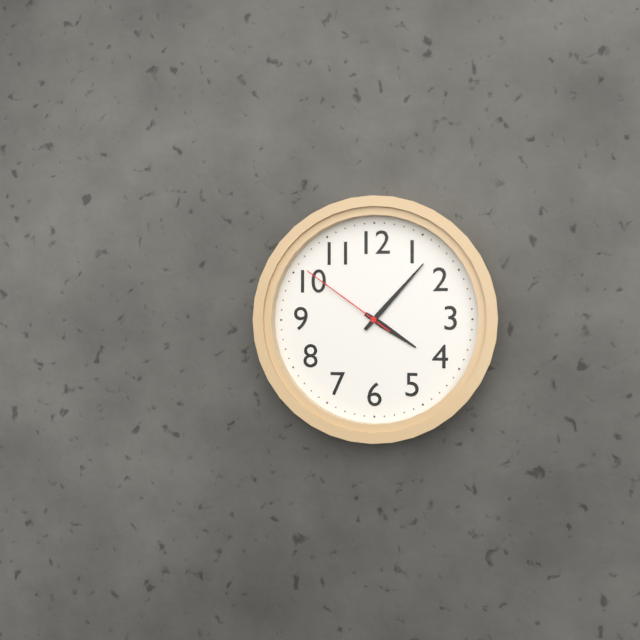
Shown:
4 h 07 min 51 s
